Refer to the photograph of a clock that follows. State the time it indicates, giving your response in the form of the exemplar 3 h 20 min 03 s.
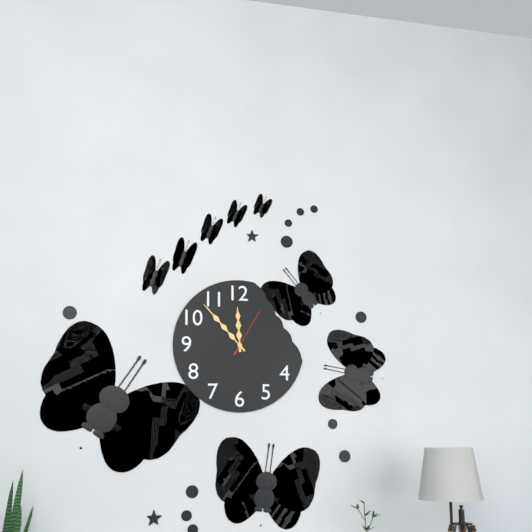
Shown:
11 h 53 min 05 s
